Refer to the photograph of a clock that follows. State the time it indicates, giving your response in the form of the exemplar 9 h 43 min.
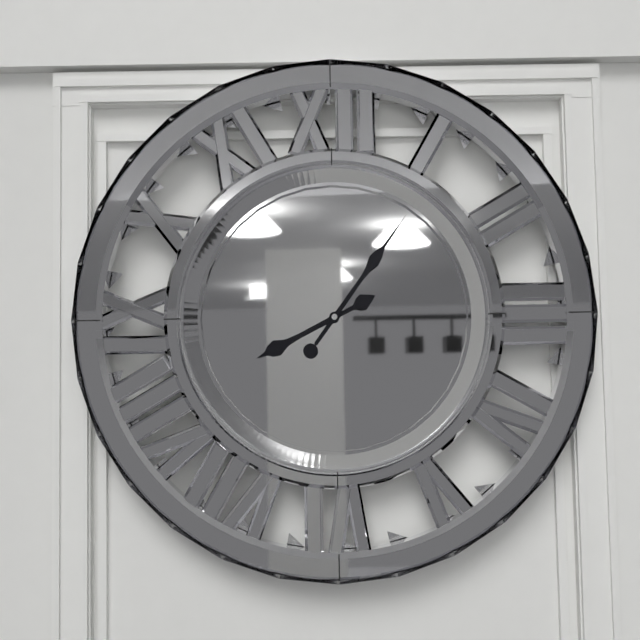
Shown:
8 h 06 min
